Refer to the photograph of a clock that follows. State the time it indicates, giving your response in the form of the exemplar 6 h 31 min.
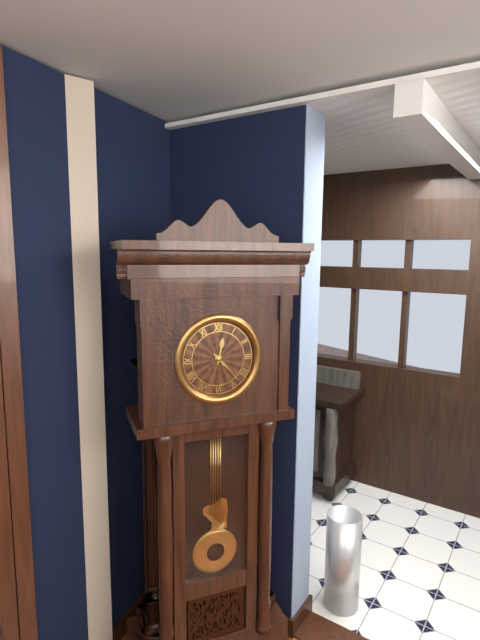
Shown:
12 h 23 min
